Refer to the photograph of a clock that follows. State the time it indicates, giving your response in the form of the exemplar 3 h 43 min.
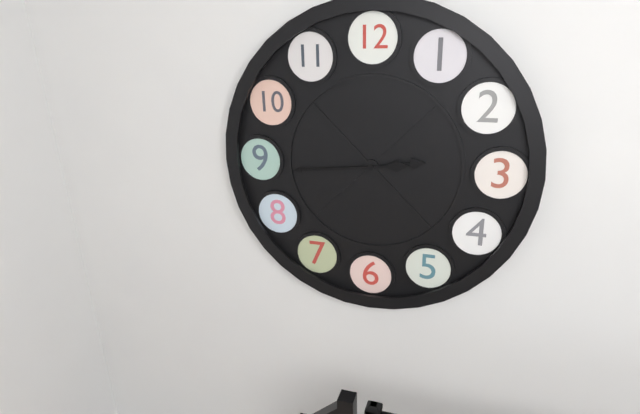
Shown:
2 h 44 min
